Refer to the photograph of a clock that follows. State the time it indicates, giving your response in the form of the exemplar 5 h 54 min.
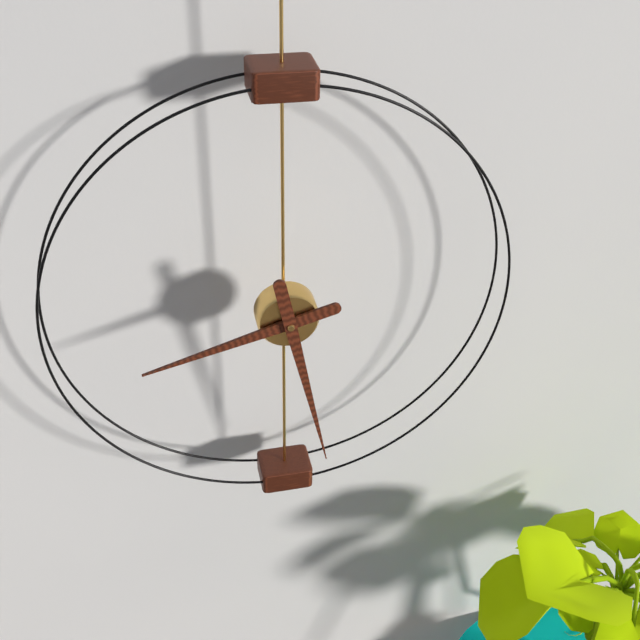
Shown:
8 h 28 min
